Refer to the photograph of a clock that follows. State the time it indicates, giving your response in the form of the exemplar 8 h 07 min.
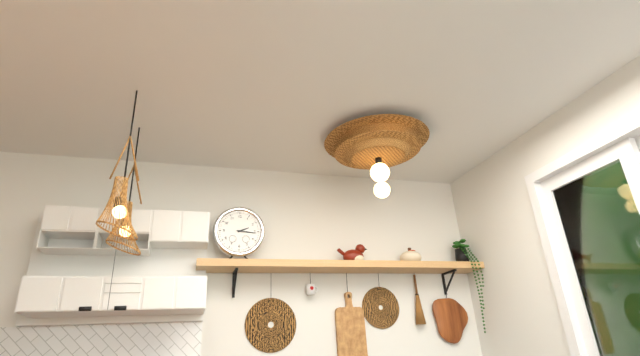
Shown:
2 h 16 min
